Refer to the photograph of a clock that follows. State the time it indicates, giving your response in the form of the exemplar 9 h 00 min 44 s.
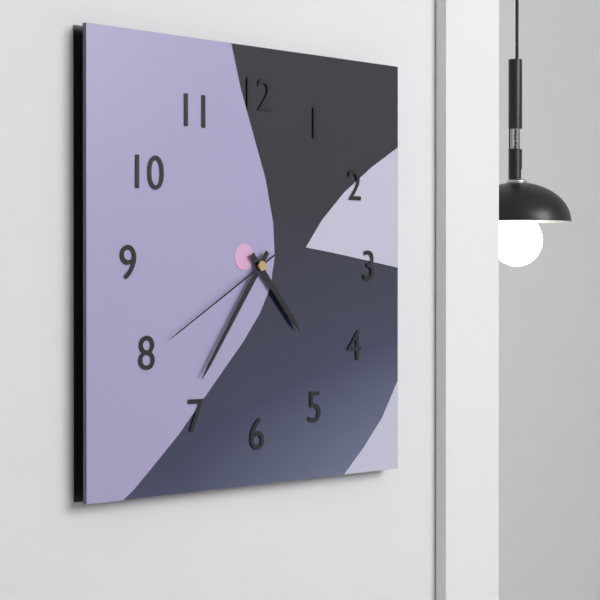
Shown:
4 h 36 min 40 s
